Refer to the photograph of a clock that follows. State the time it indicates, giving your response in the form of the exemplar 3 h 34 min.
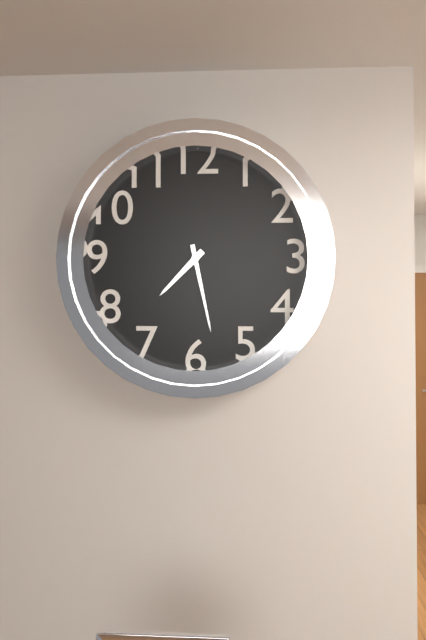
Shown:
7 h 28 min
